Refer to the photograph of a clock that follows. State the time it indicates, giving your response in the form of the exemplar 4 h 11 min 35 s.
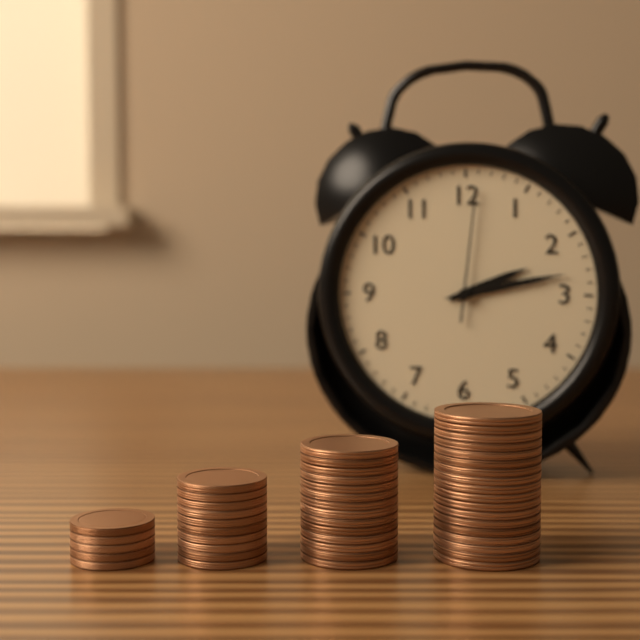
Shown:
2 h 13 min 01 s
